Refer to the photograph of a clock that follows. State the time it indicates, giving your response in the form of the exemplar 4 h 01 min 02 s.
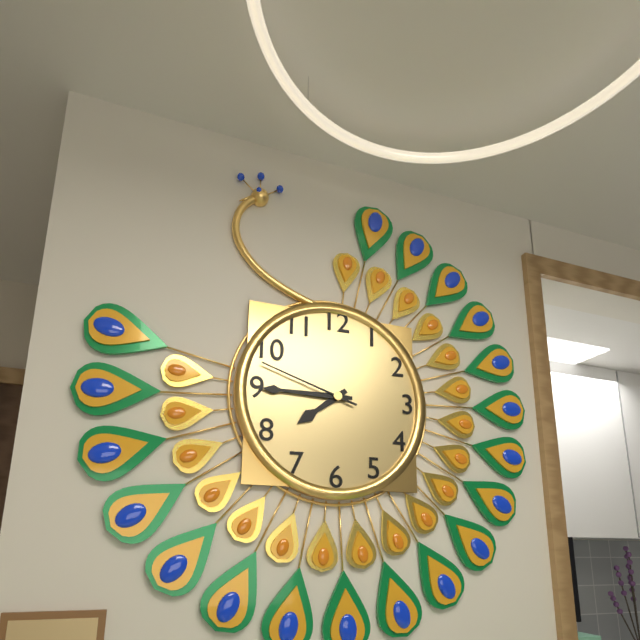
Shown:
7 h 45 min 48 s
